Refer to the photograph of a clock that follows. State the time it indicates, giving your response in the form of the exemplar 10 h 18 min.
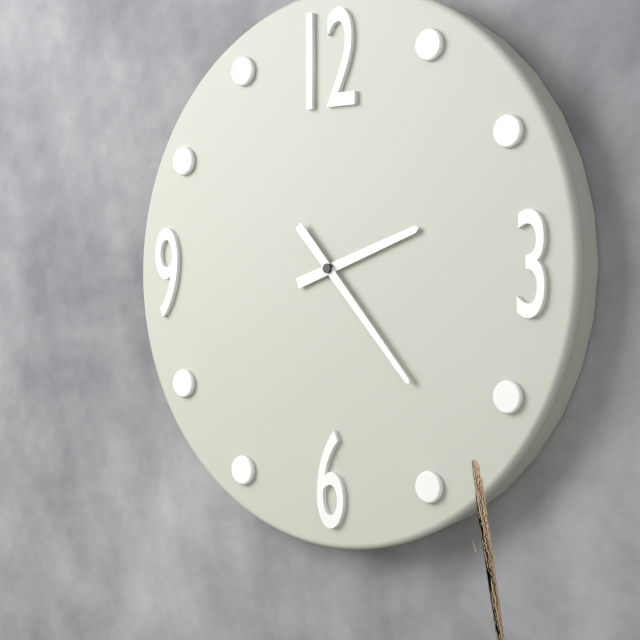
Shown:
2 h 23 min
